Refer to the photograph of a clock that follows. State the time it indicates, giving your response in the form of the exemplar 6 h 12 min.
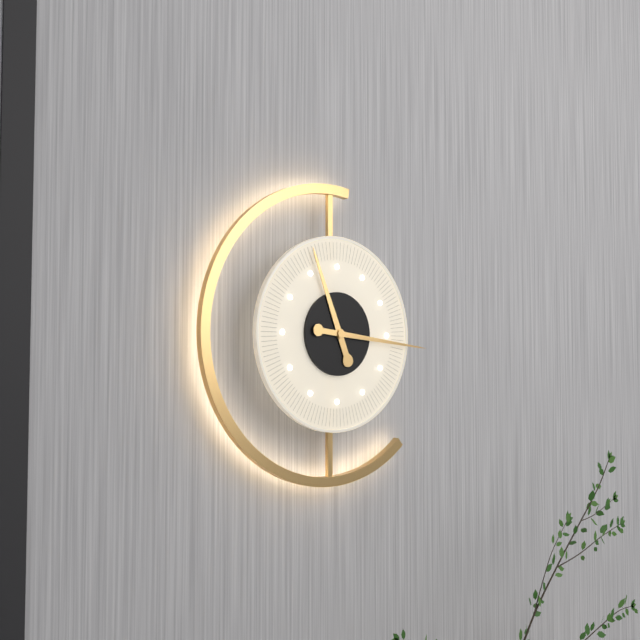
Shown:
11 h 16 min
